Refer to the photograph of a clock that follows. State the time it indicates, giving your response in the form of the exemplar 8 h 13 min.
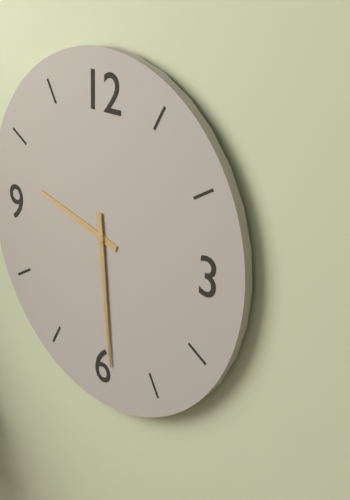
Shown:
9 h 29 min
